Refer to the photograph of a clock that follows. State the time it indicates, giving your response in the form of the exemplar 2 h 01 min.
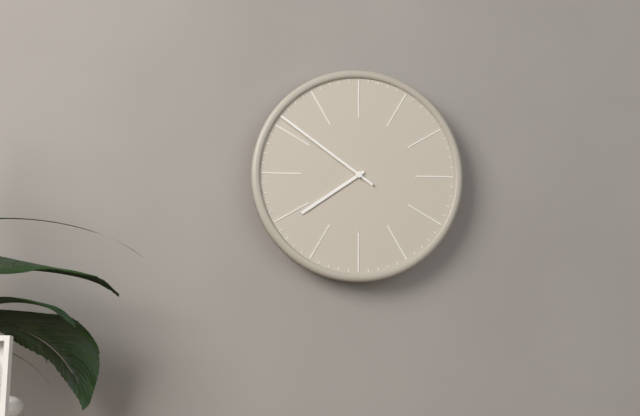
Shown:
7 h 51 min
